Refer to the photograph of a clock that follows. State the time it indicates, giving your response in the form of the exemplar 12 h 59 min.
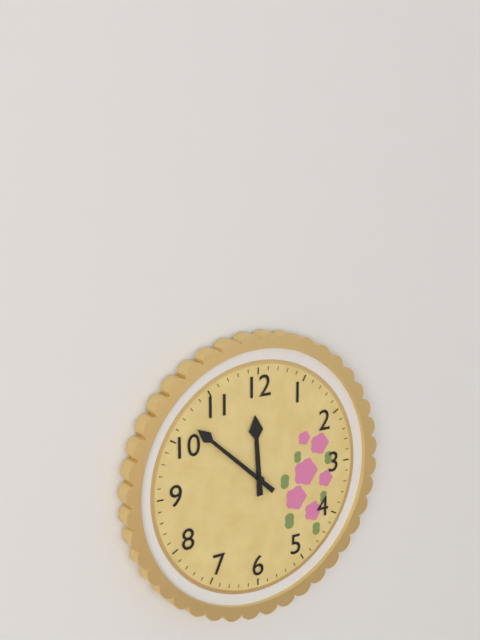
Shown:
11 h 52 min
